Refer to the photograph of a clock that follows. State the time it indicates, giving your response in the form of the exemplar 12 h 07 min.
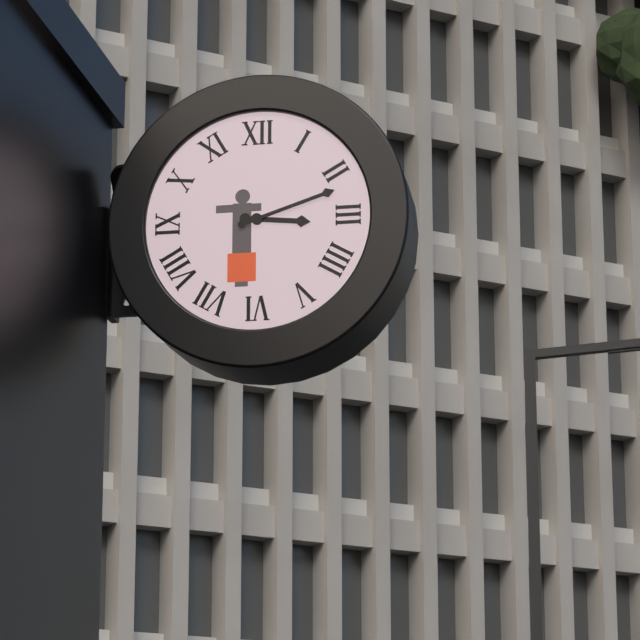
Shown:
3 h 12 min
